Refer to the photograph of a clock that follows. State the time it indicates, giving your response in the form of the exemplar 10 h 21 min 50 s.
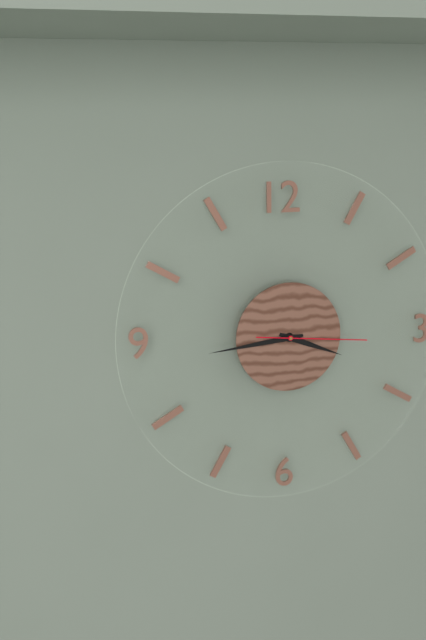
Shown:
3 h 44 min 16 s
